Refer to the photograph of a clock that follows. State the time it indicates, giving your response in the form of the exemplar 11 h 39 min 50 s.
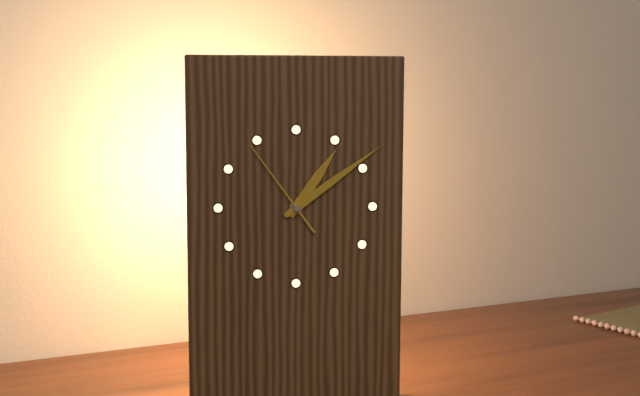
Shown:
1 h 09 min 54 s
